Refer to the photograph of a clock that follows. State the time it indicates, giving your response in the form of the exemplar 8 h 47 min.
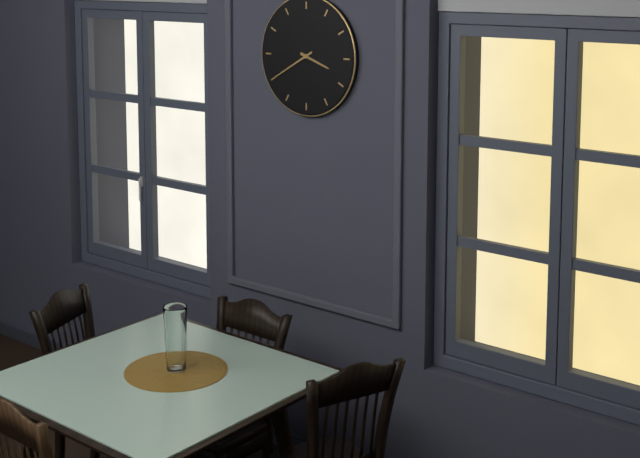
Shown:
3 h 40 min
